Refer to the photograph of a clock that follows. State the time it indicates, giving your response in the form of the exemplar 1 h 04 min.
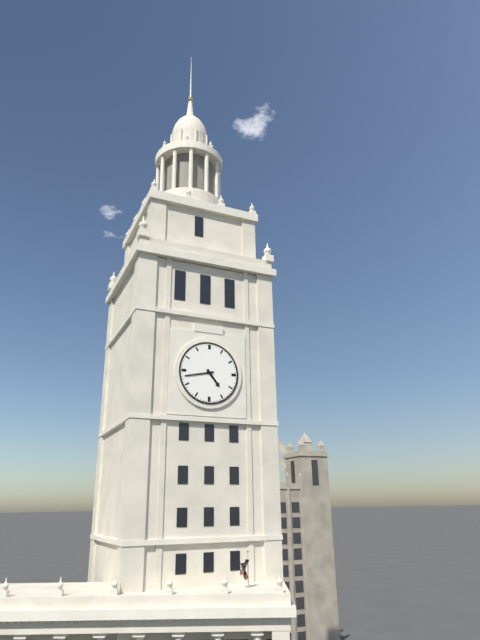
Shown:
4 h 43 min
